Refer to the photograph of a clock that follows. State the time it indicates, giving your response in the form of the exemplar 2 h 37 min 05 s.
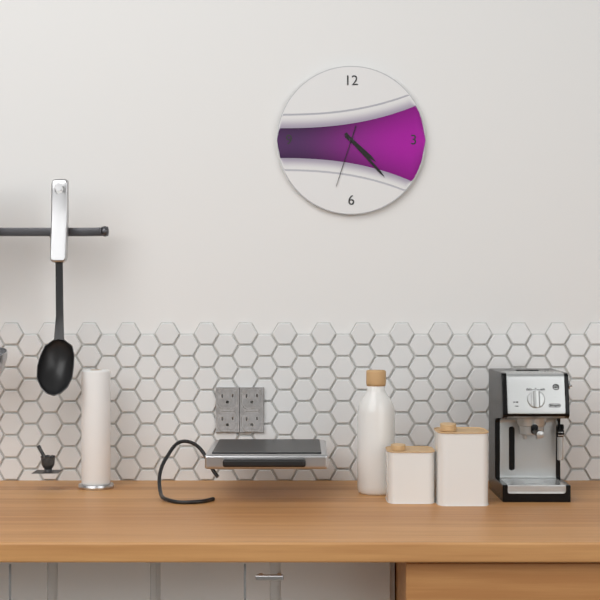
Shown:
4 h 23 min 33 s
